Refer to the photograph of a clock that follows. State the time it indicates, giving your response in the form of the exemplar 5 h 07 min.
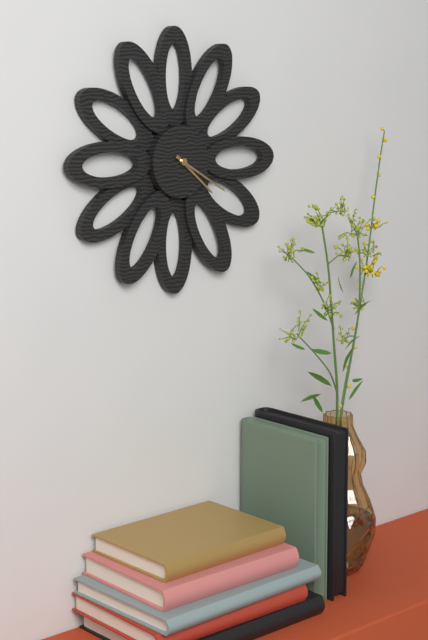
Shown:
4 h 20 min
